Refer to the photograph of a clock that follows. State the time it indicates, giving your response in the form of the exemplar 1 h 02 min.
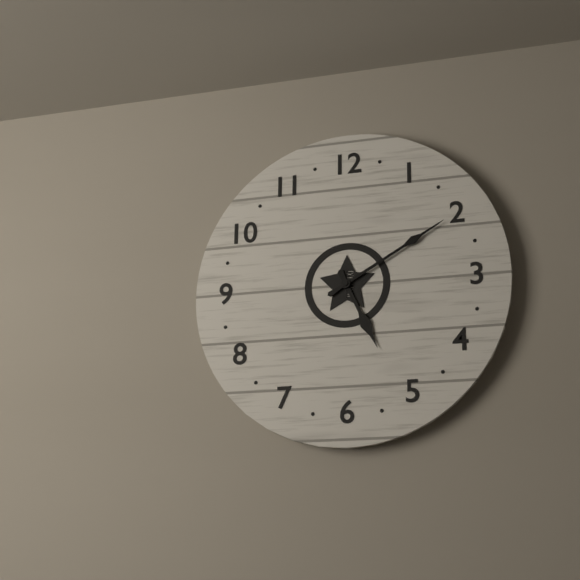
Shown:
5 h 10 min
